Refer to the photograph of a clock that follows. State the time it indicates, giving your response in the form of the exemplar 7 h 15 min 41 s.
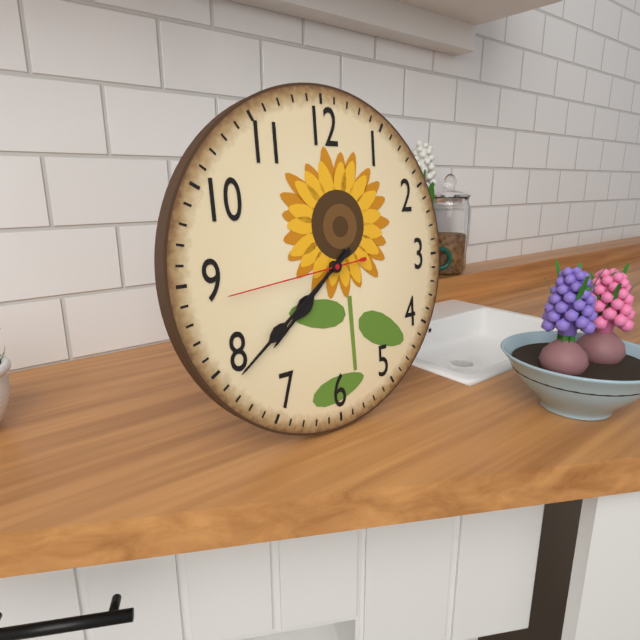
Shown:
7 h 39 min 44 s
